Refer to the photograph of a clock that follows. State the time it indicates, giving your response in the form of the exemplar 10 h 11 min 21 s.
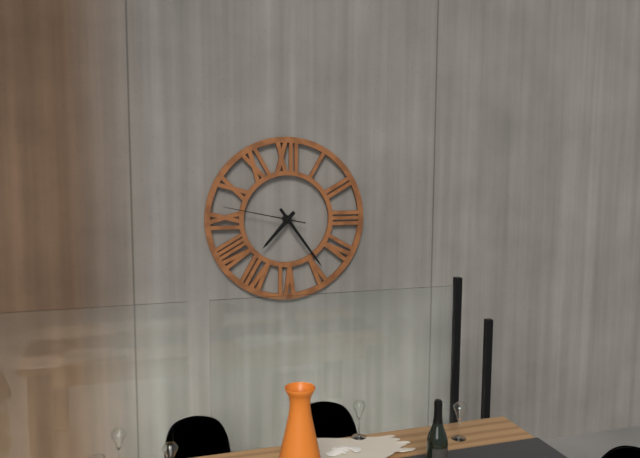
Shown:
7 h 24 min 47 s
